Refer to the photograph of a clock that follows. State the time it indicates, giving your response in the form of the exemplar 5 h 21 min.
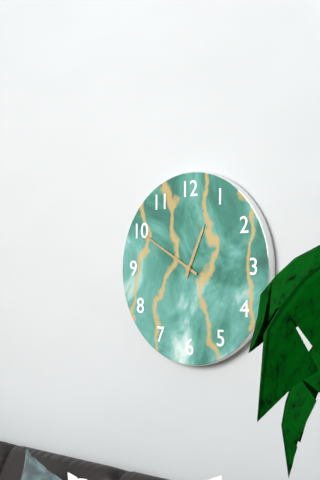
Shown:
12 h 50 min
